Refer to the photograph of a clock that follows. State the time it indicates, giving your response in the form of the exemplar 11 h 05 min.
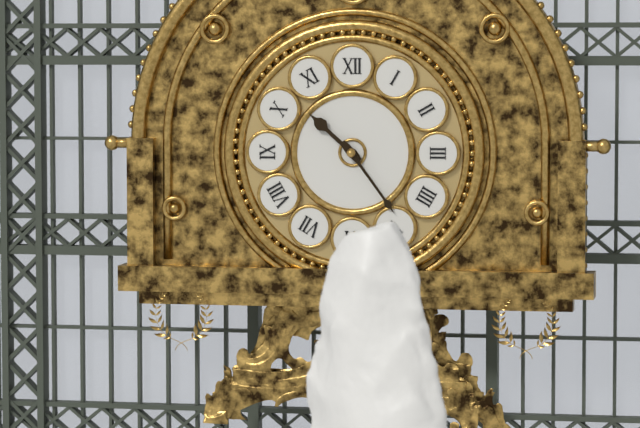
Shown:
10 h 24 min
